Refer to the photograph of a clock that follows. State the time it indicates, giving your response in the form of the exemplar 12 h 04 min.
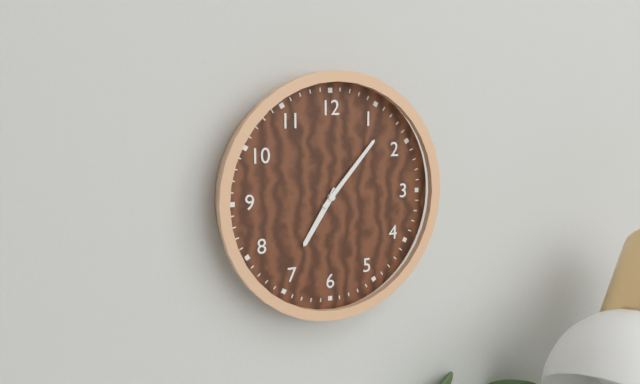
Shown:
7 h 07 min
